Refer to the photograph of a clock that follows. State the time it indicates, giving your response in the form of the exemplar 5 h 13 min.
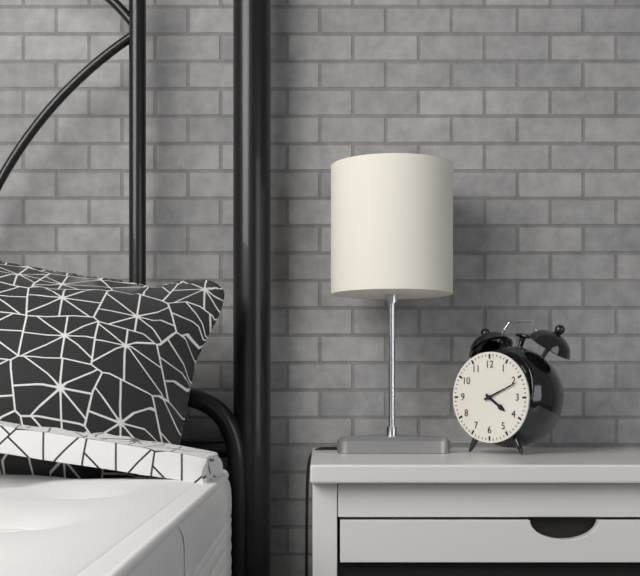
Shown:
4 h 11 min
